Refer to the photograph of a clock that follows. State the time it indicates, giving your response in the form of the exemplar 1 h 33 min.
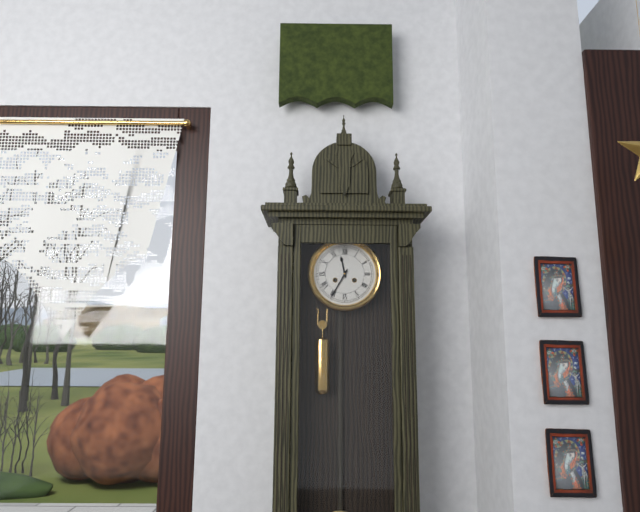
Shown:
11 h 35 min
